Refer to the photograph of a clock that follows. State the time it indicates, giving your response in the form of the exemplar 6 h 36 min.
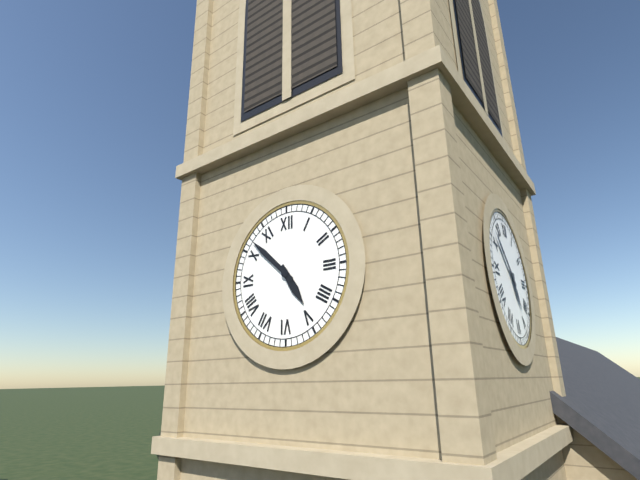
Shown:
4 h 52 min
